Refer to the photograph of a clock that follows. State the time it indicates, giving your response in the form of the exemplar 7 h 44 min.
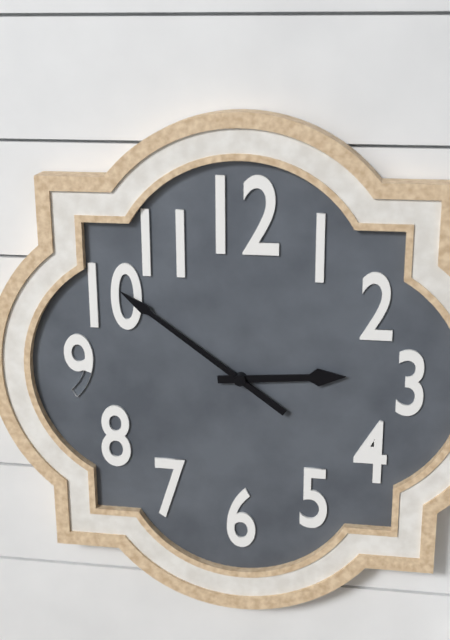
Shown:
2 h 51 min
